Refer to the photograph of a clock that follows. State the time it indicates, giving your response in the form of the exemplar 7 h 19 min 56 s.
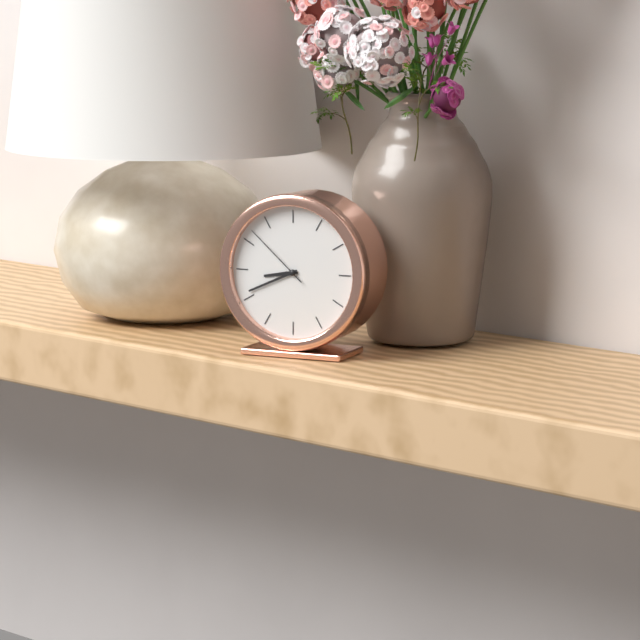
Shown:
8 h 41 min 52 s
